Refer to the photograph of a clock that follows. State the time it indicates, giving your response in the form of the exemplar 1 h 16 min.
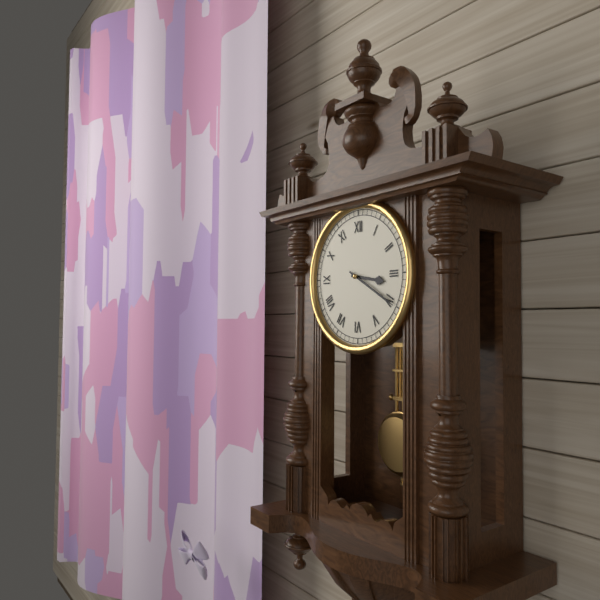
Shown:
3 h 20 min
